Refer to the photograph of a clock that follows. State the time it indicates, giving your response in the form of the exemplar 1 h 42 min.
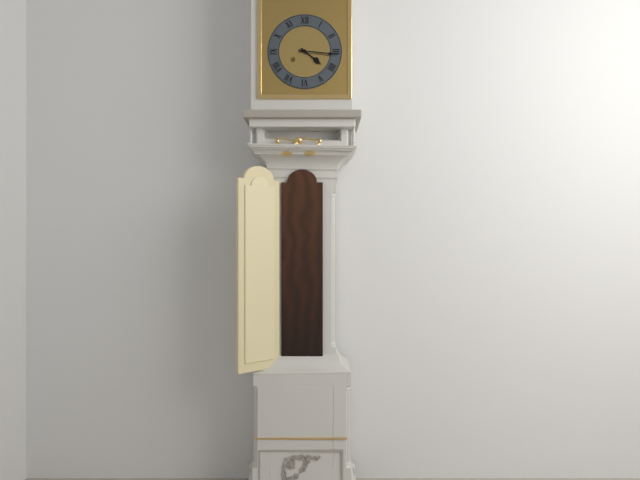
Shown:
4 h 16 min
